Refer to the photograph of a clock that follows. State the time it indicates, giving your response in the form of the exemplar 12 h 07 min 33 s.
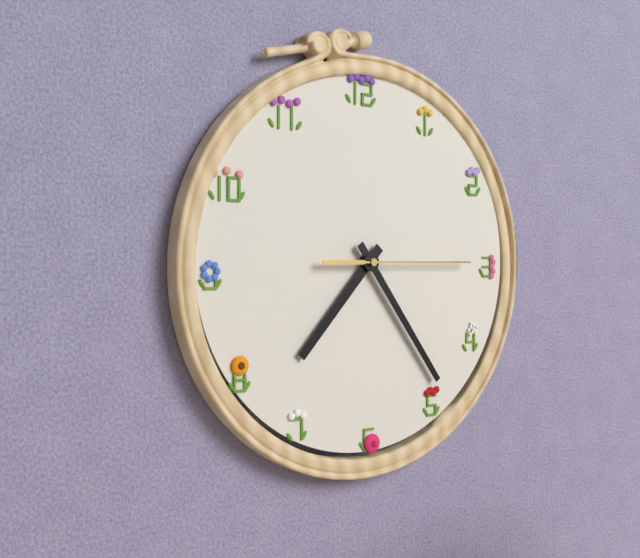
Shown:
7 h 24 min 15 s
